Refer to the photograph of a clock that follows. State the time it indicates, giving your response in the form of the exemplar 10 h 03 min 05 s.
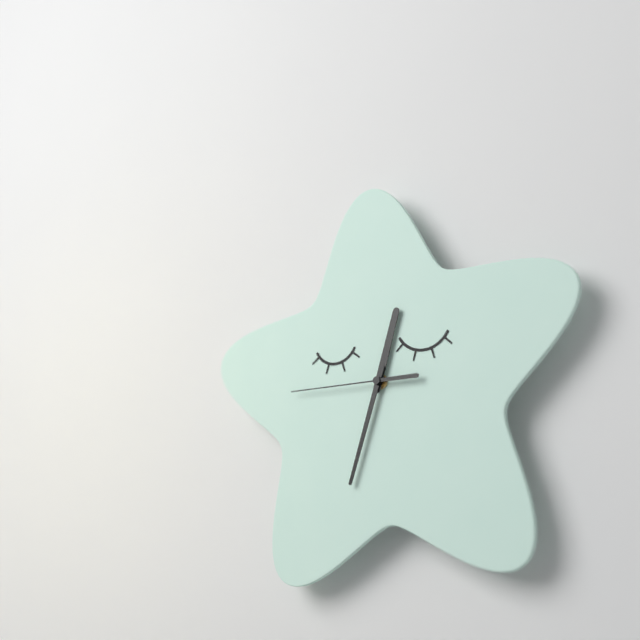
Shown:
12 h 33 min 45 s
